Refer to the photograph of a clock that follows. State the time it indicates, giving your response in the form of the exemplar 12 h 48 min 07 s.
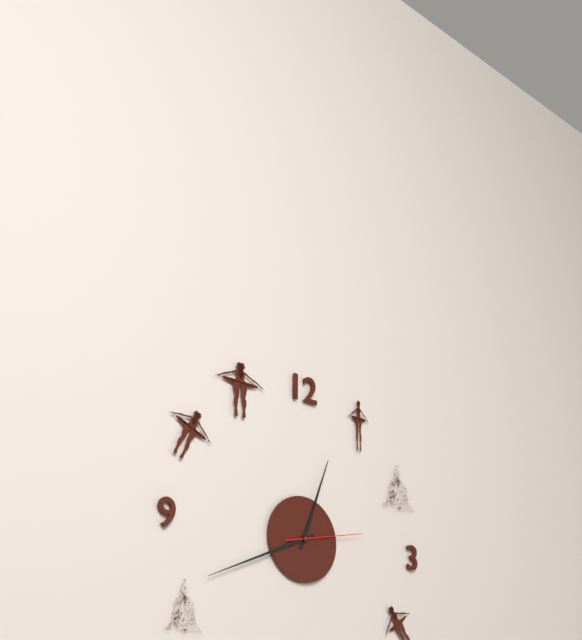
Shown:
12 h 41 min 13 s
